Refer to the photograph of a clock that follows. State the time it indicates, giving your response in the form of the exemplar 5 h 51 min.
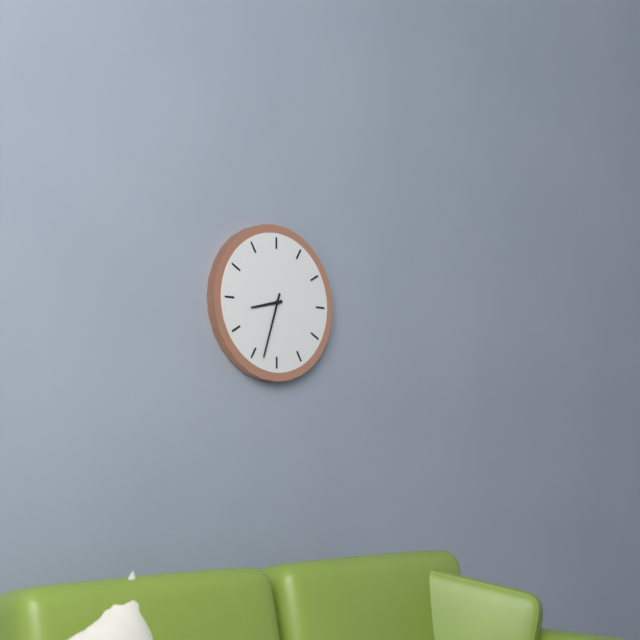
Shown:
8 h 33 min
